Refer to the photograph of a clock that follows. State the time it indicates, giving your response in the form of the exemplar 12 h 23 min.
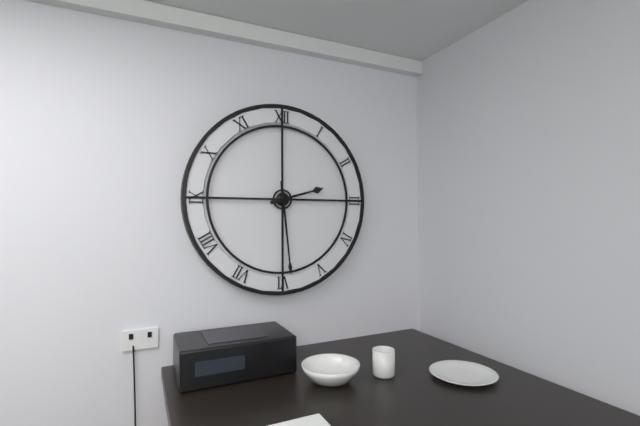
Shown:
2 h 29 min
